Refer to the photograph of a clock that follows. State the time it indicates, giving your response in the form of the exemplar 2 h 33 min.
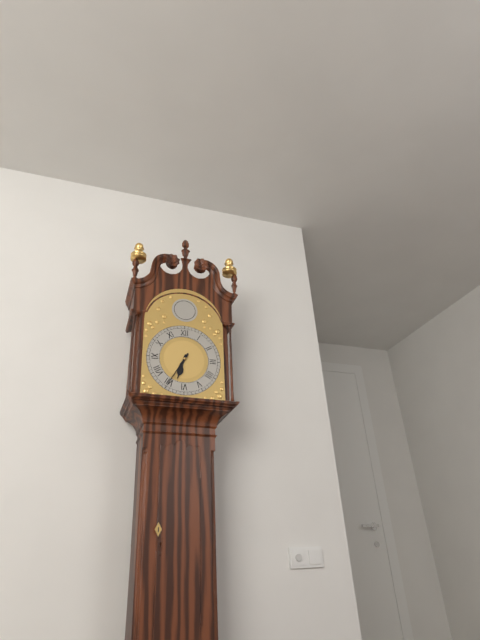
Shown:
6 h 35 min
